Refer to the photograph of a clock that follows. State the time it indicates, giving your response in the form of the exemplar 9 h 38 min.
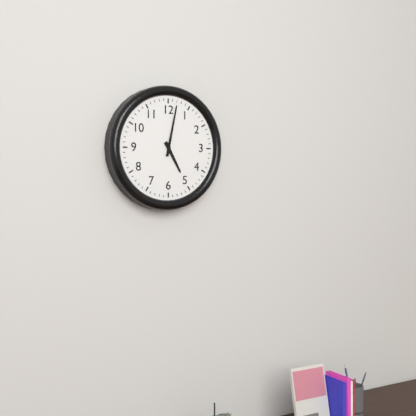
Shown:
5 h 02 min
